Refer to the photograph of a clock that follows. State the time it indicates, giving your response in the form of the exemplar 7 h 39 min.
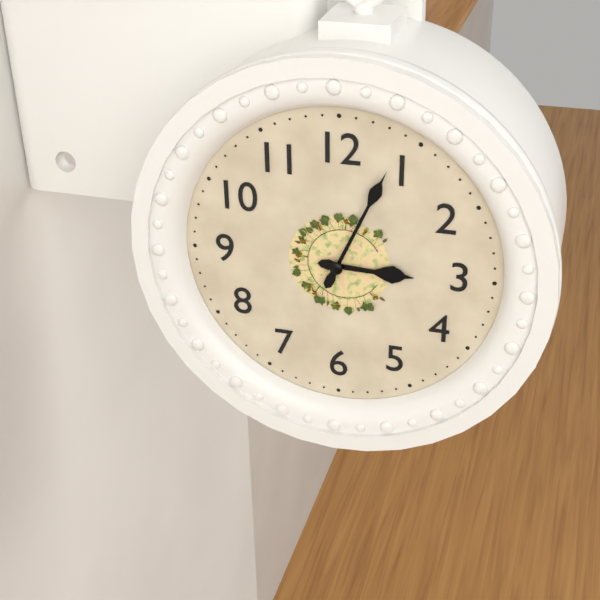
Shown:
3 h 04 min
